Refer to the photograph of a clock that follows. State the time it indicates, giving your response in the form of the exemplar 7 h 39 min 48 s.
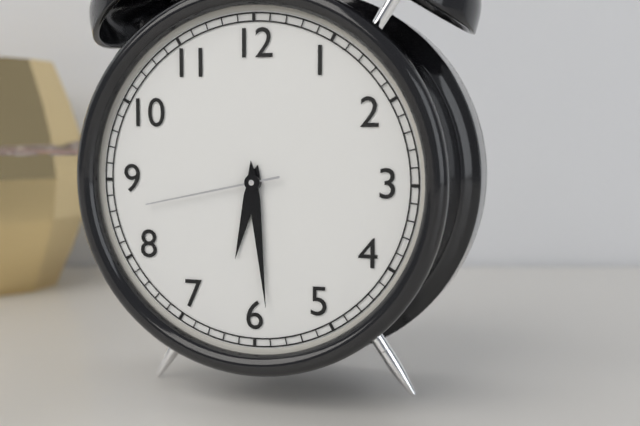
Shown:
6 h 29 min 43 s
